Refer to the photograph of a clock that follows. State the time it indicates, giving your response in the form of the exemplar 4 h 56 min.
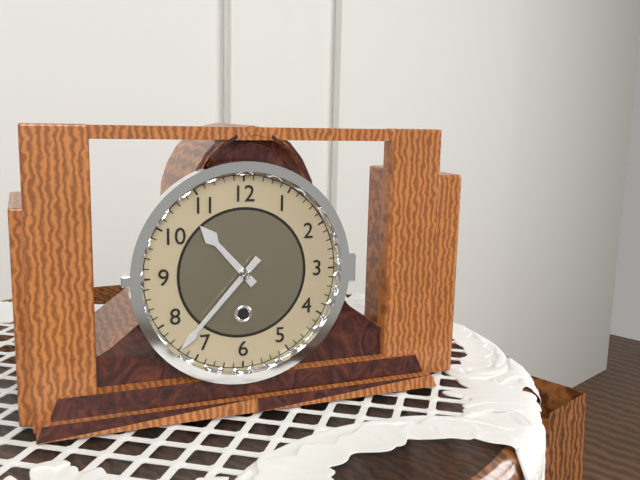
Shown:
10 h 37 min
